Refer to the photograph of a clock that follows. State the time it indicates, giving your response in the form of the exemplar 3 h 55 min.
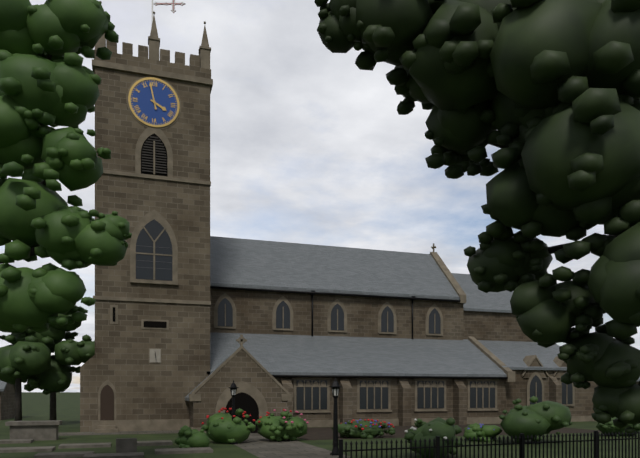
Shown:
3 h 58 min
